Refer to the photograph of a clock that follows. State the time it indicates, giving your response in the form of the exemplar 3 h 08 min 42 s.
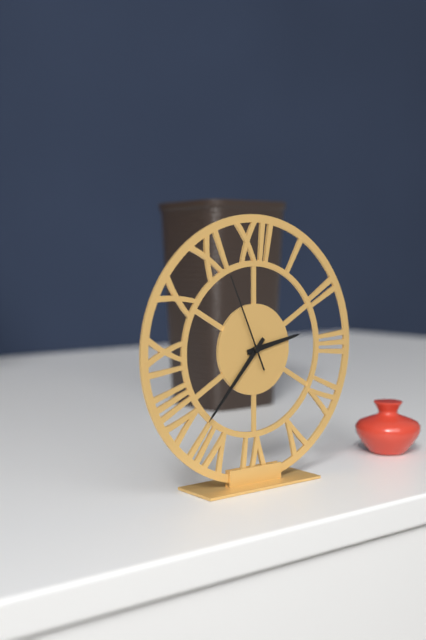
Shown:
2 h 37 min 56 s
